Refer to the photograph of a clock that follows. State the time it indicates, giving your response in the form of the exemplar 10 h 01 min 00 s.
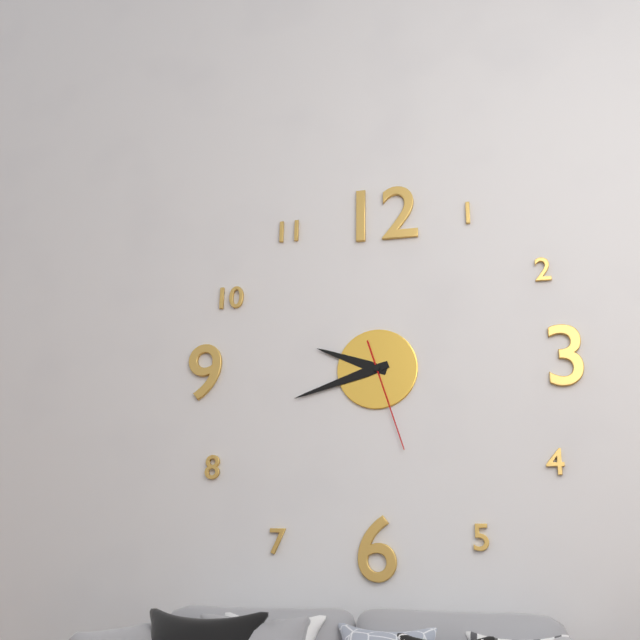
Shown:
9 h 42 min 27 s
